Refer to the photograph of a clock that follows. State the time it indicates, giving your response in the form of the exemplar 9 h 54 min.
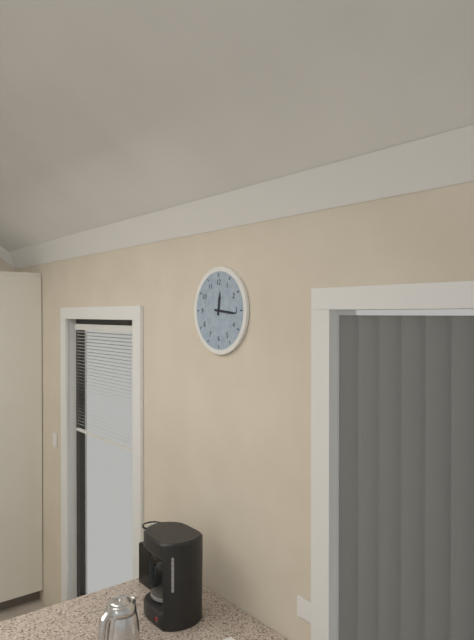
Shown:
12 h 16 min
